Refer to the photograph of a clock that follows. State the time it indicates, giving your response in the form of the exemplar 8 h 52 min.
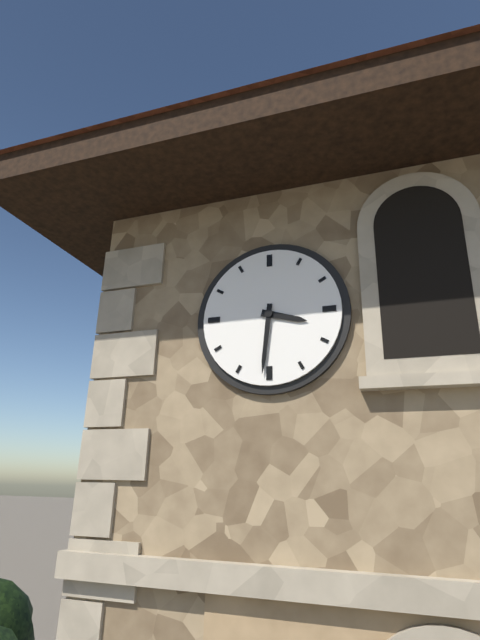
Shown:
3 h 31 min
